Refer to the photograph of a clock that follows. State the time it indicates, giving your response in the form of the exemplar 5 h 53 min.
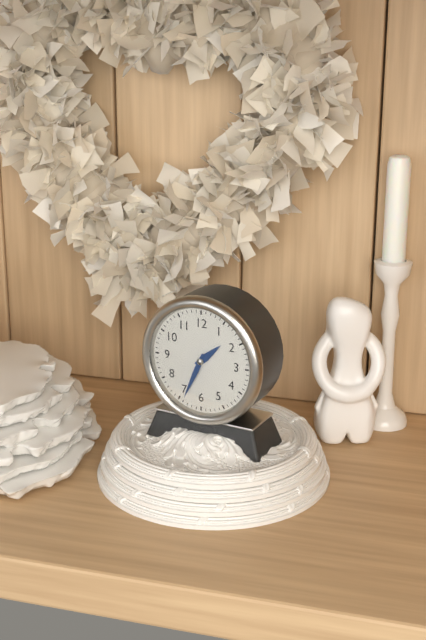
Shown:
1 h 34 min
